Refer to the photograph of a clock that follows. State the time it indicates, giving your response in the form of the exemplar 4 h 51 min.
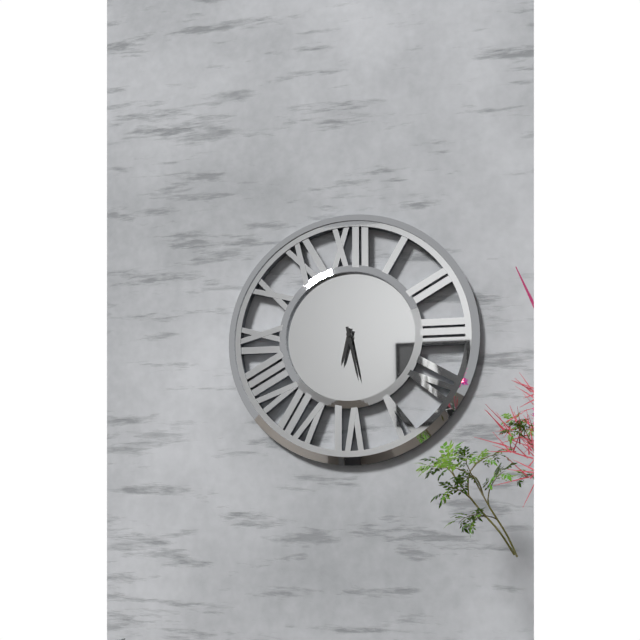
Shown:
6 h 28 min
